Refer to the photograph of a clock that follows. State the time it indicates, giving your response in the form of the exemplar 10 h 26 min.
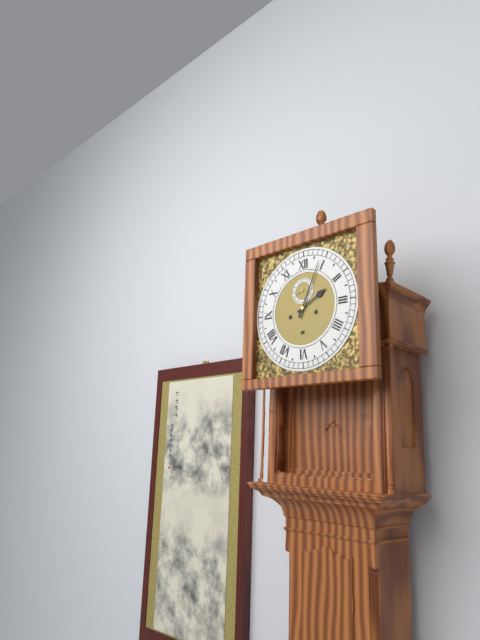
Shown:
2 h 04 min
